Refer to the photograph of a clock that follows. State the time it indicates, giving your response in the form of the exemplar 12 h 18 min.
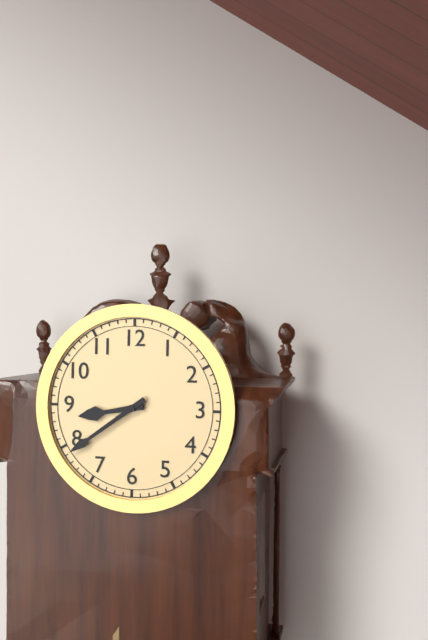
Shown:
8 h 39 min
